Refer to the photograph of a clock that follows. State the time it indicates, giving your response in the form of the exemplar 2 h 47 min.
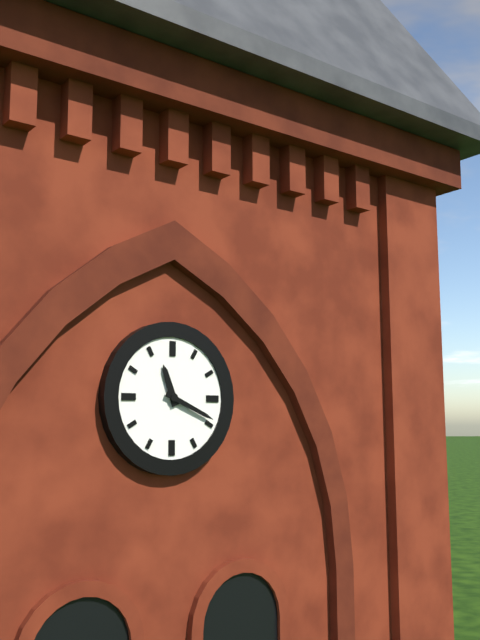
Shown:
11 h 19 min
